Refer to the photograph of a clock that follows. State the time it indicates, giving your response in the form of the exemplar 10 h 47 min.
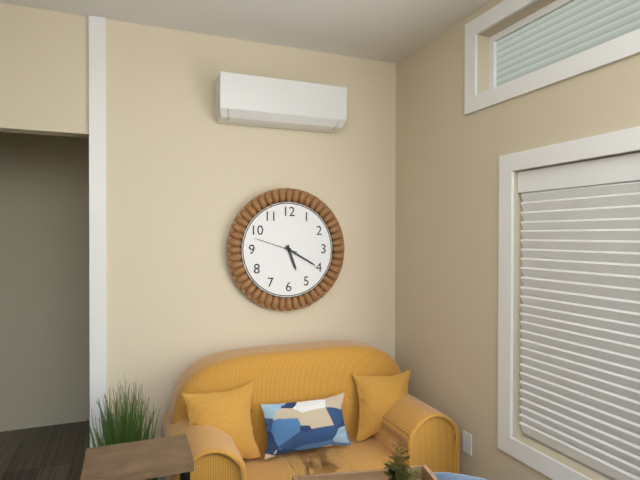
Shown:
5 h 20 min
